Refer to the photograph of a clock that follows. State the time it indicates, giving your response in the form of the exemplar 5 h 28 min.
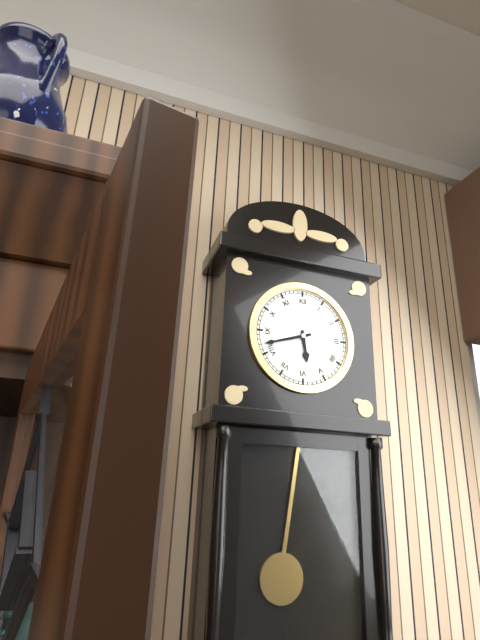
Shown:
5 h 42 min
